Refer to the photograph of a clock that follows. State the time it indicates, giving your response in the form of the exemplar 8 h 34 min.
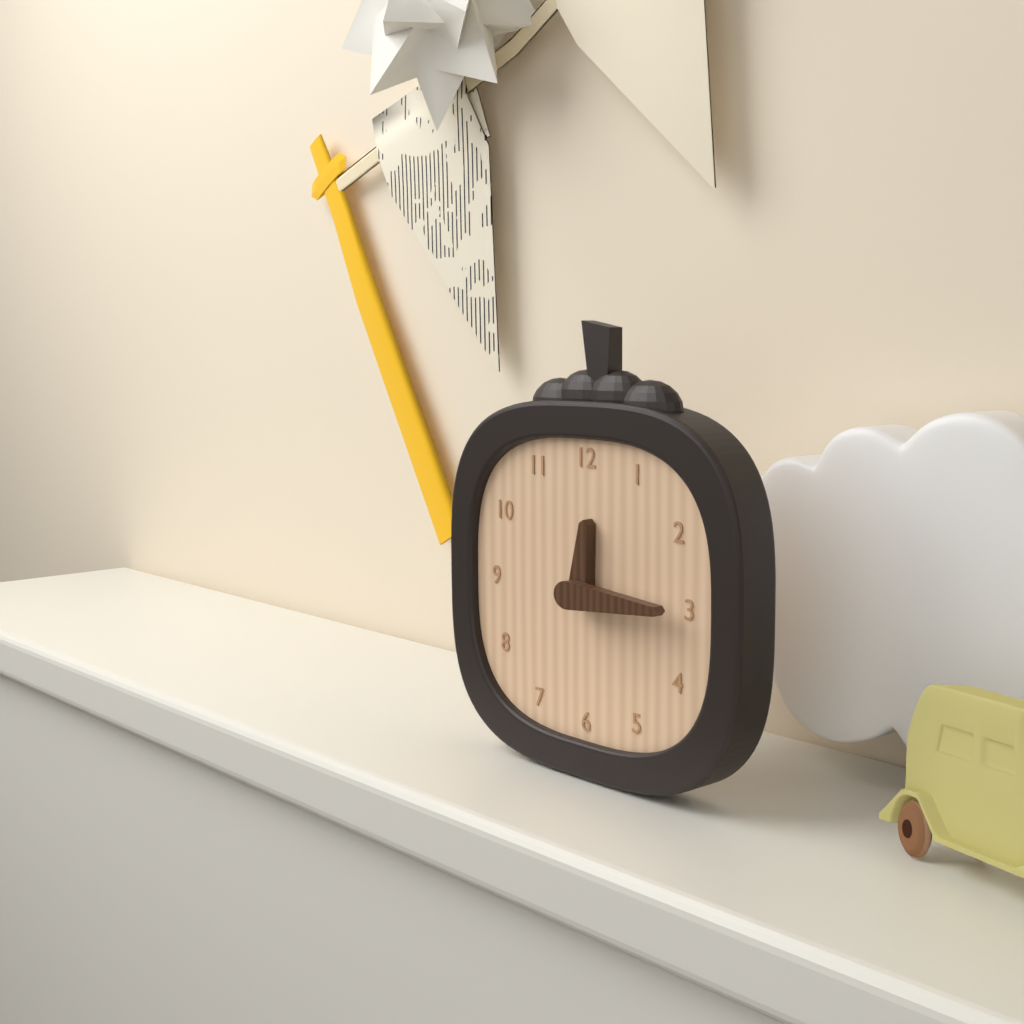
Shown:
12 h 15 min
